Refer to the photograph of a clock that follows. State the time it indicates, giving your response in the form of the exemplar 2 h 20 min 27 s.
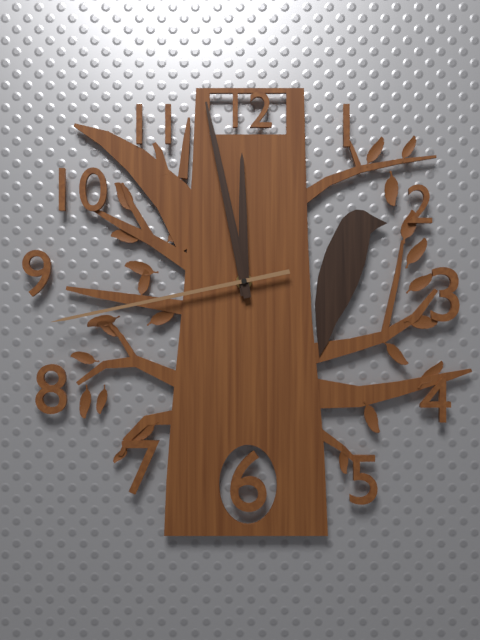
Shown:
11 h 58 min 43 s
